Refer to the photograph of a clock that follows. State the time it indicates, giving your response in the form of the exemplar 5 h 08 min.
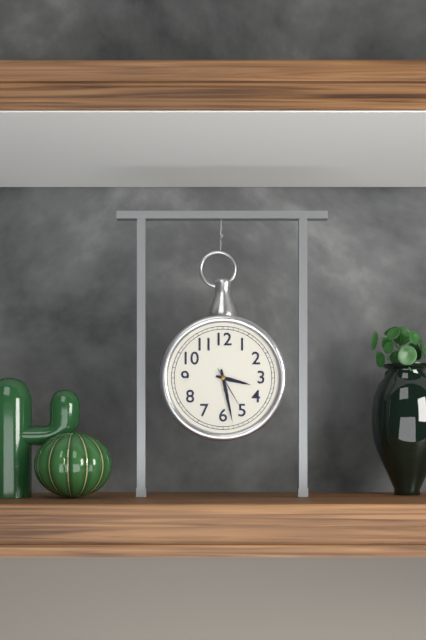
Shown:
3 h 28 min
